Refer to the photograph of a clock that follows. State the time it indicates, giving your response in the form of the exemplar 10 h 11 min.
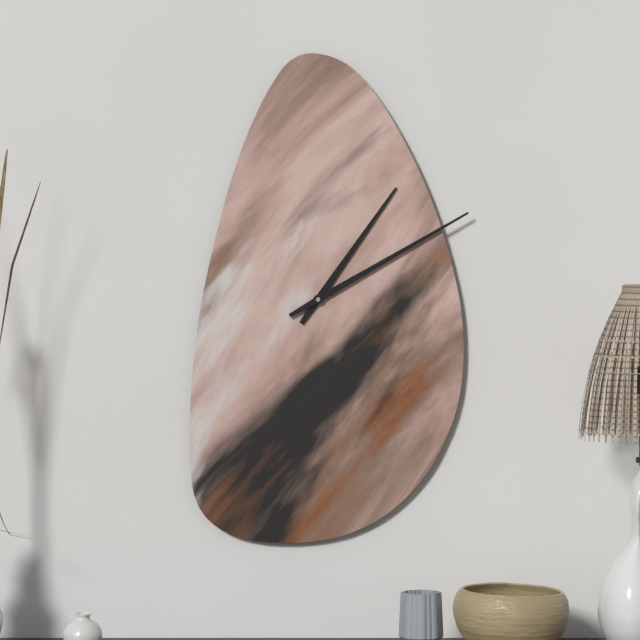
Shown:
1 h 10 min
